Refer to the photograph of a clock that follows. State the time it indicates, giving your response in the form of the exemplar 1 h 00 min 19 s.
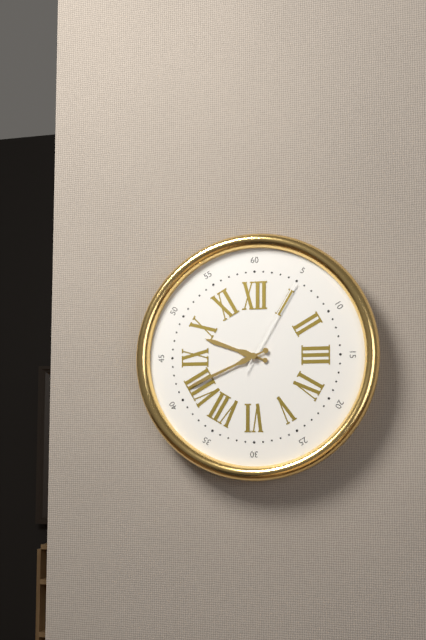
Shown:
9 h 41 min 05 s
